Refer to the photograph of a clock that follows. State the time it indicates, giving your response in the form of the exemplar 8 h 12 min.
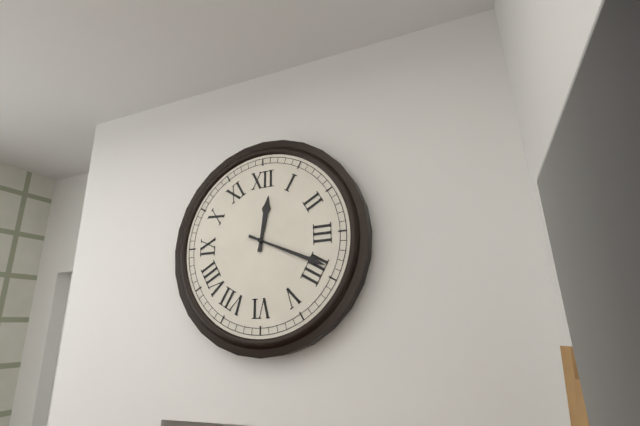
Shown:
12 h 19 min
